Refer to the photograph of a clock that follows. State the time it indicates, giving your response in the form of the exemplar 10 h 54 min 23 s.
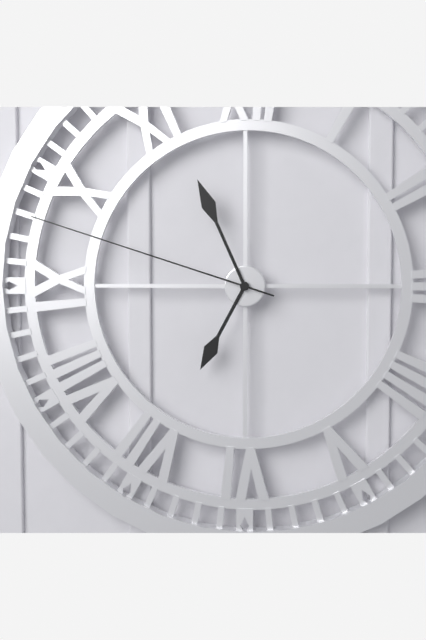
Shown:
6 h 56 min 48 s
